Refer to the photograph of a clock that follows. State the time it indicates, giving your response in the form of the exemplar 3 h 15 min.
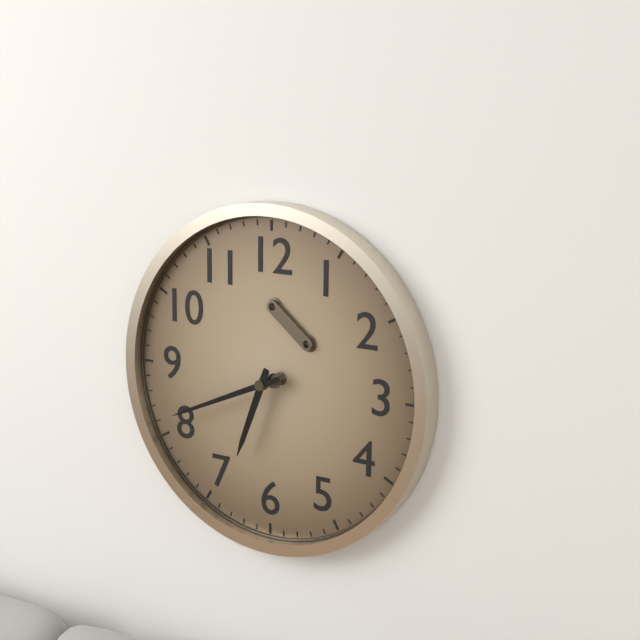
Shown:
6 h 41 min
